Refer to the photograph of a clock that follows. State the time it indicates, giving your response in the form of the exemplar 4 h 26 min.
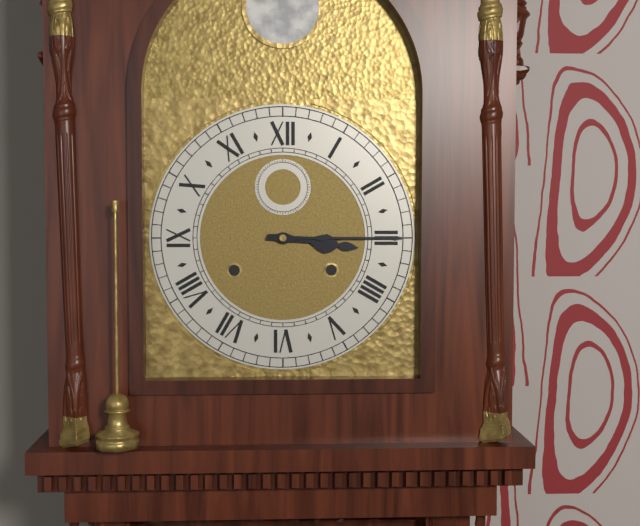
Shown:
3 h 15 min
